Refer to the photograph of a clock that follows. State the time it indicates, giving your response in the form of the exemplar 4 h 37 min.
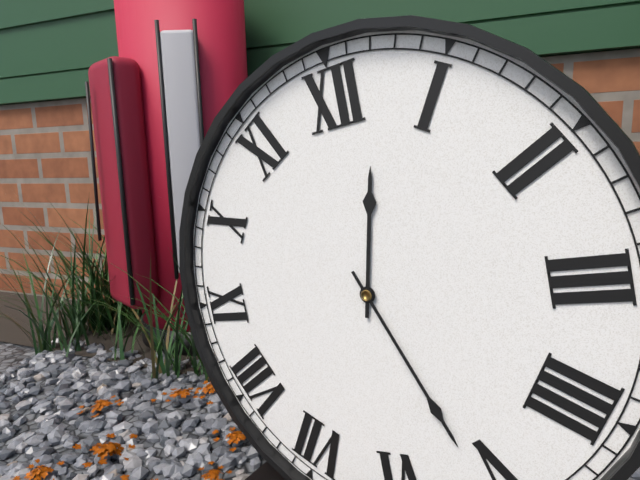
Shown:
12 h 26 min
